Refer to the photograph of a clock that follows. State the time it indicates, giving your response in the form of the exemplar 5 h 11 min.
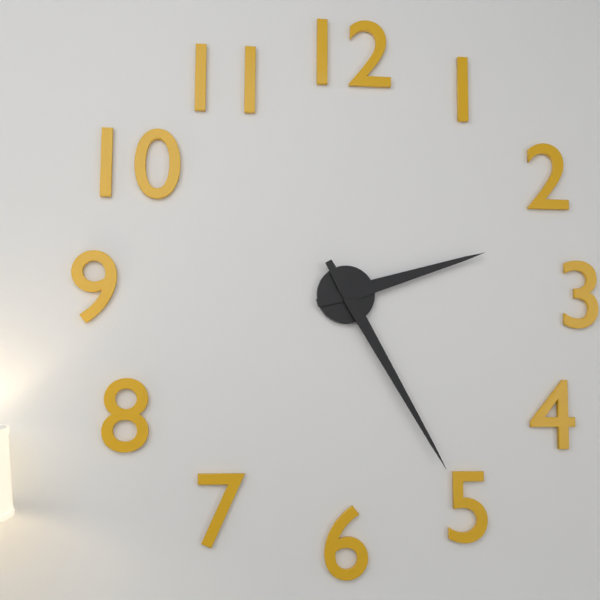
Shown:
2 h 25 min
